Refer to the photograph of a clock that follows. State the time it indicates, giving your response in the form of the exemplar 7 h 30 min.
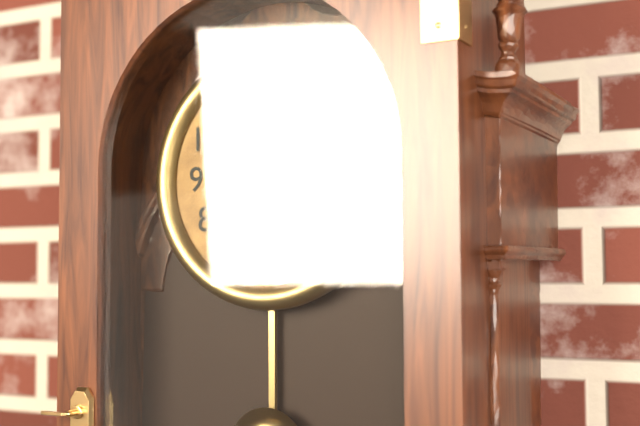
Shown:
12 h 00 min
